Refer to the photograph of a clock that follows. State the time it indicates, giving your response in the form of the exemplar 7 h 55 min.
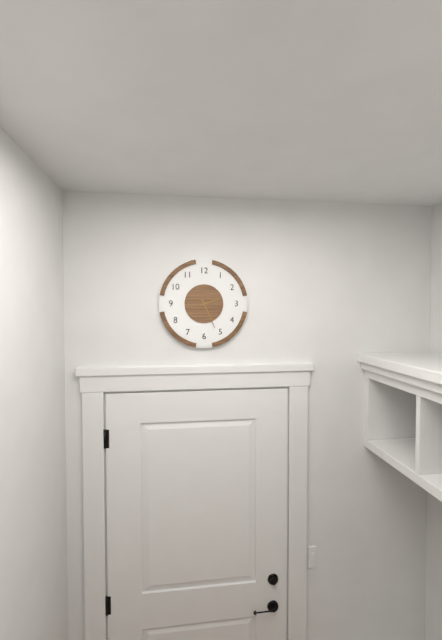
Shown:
2 h 26 min
